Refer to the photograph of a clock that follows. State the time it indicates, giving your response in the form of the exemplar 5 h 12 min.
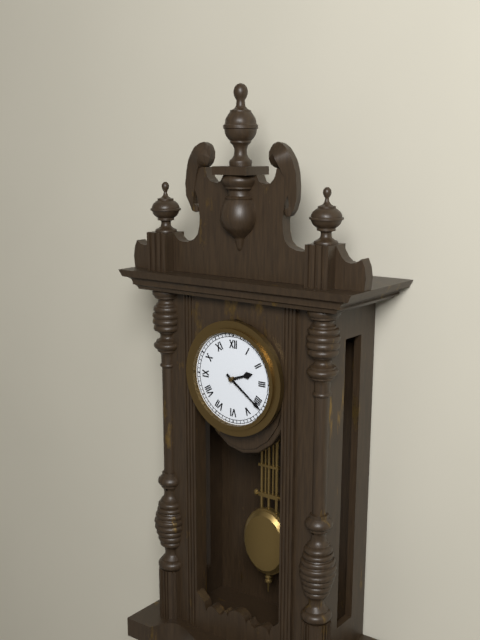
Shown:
2 h 21 min
